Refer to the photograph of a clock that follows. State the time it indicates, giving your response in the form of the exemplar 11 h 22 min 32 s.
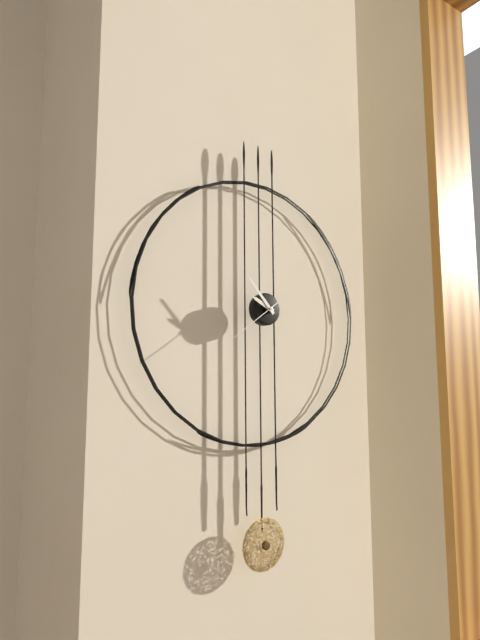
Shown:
9 h 53 min 39 s
